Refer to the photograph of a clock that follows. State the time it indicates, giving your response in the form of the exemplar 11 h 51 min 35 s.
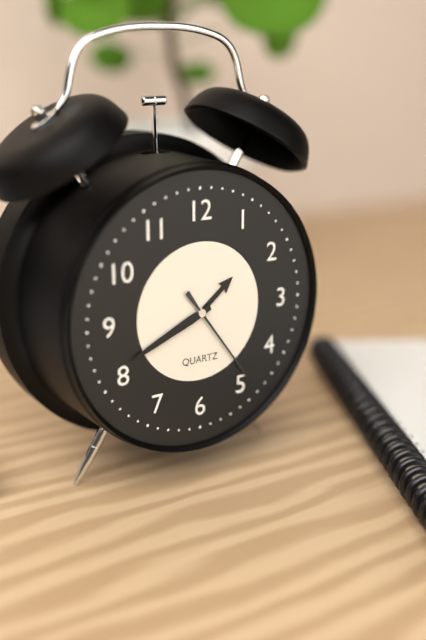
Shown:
1 h 41 min 24 s
